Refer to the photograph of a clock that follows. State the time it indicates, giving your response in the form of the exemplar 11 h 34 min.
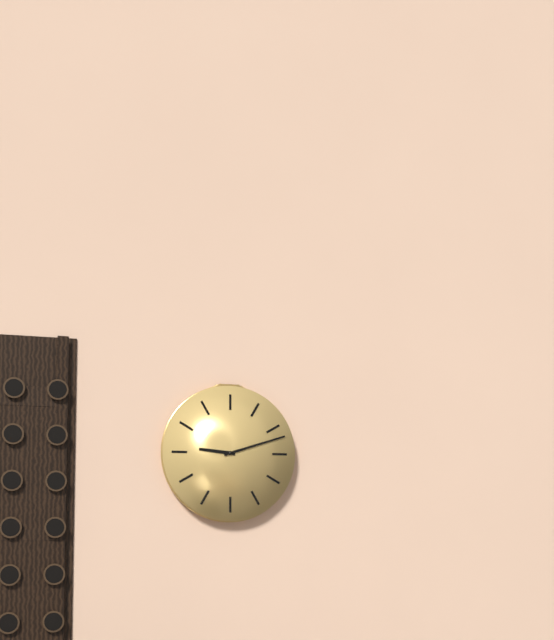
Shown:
9 h 12 min
